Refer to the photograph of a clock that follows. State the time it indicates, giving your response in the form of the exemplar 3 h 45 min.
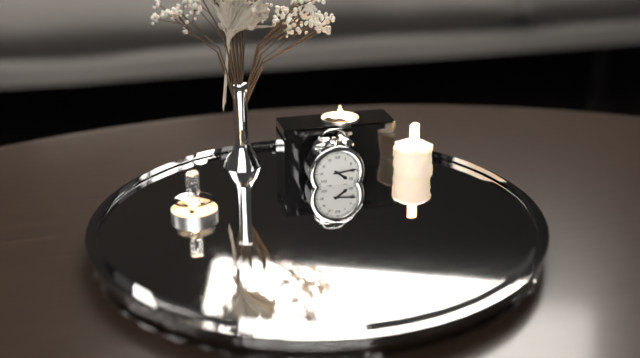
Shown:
4 h 14 min
